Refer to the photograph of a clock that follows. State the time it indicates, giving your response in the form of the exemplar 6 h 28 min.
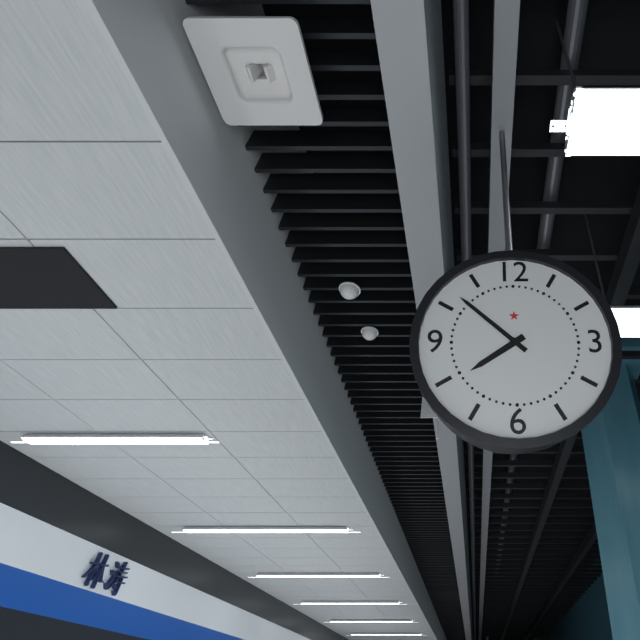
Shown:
7 h 52 min
